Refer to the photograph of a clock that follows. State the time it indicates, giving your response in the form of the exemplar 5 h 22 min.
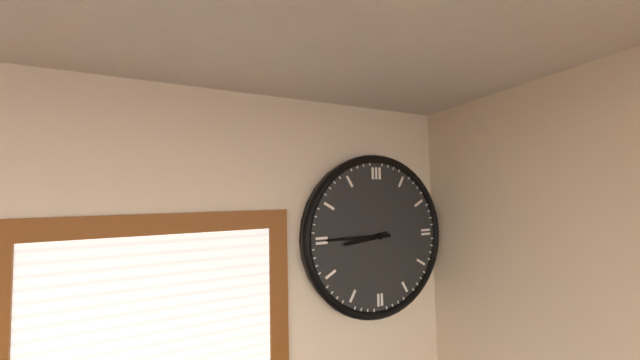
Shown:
8 h 45 min
